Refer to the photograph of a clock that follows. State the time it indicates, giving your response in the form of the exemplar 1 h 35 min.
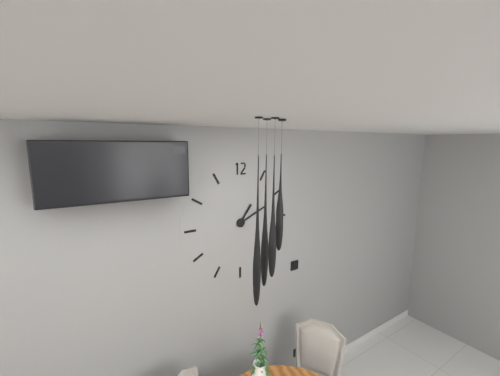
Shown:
1 h 11 min
